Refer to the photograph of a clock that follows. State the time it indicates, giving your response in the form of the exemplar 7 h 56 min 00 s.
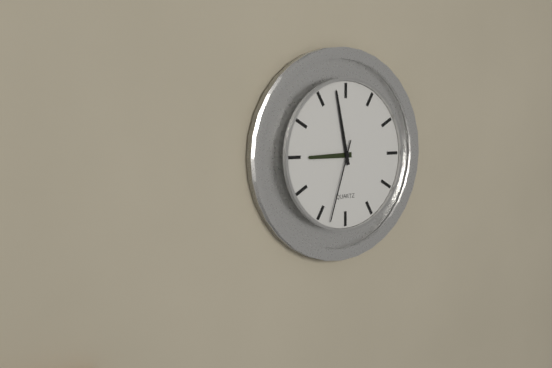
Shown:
8 h 58 min 33 s
